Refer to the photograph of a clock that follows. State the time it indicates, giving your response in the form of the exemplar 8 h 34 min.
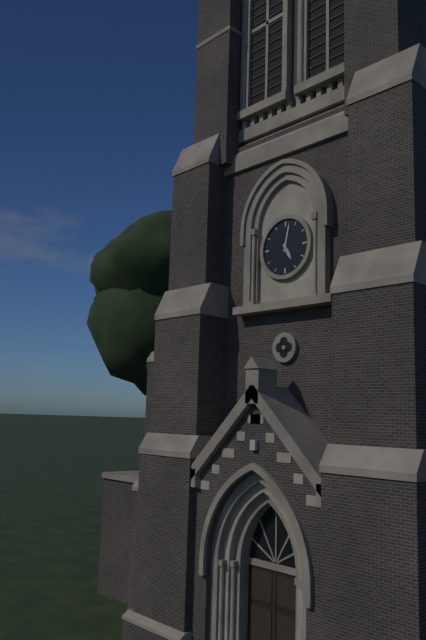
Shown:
5 h 02 min
